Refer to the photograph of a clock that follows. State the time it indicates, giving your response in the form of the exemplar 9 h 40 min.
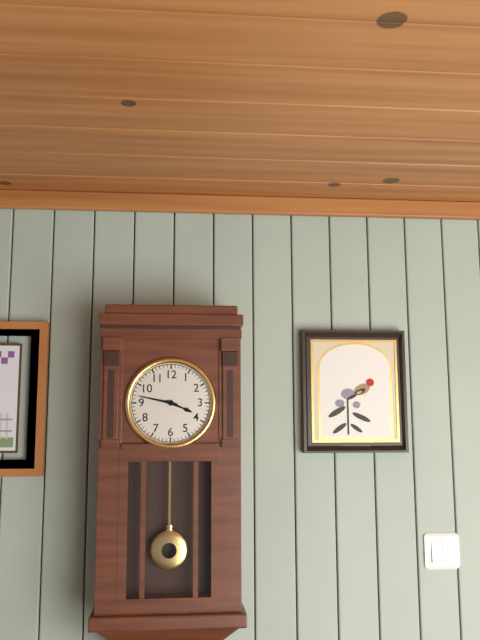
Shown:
3 h 47 min
